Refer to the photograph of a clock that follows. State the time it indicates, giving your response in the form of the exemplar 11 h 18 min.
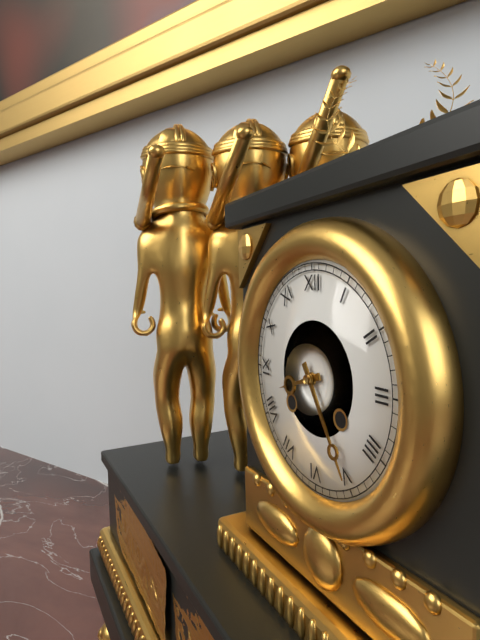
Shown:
8 h 25 min
